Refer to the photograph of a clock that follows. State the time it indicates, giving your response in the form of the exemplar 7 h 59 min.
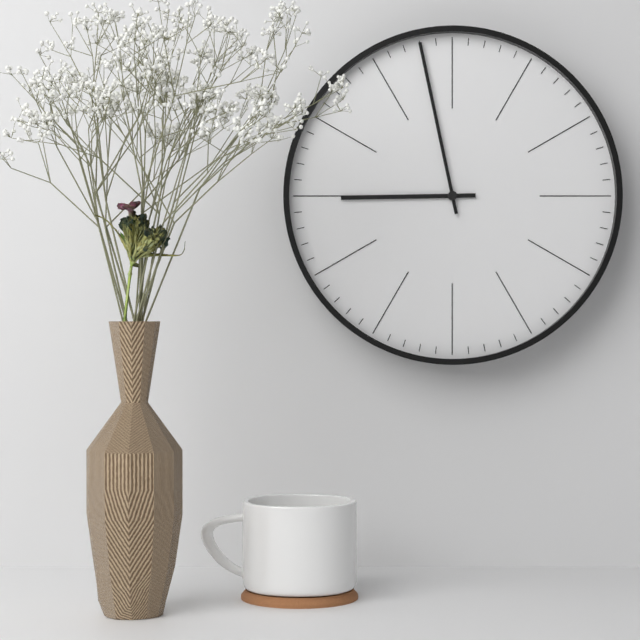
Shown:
8 h 58 min
